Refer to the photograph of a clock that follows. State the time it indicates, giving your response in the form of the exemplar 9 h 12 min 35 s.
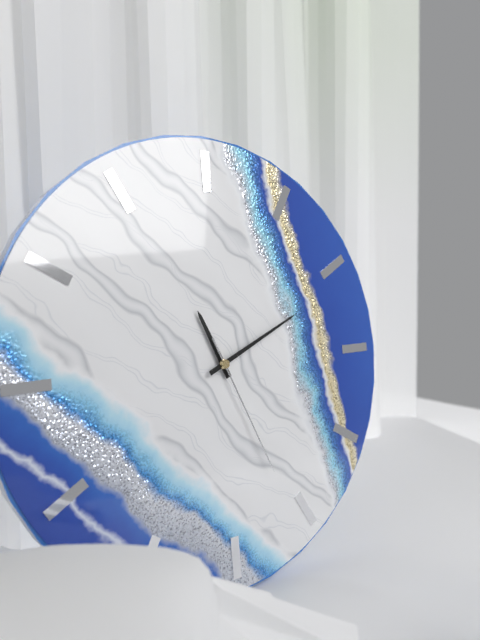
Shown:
11 h 11 min 26 s
